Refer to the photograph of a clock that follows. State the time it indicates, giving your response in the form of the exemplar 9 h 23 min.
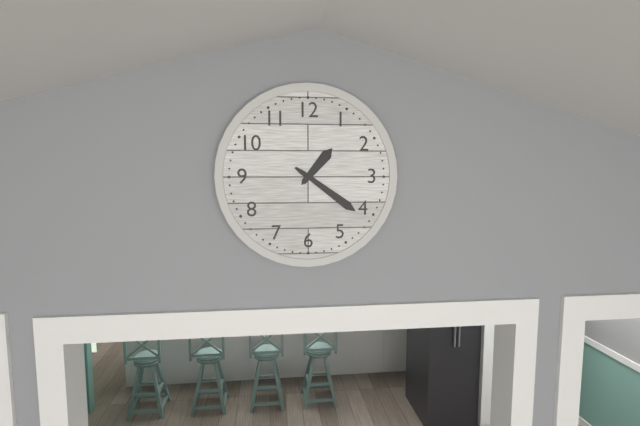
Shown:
1 h 21 min
